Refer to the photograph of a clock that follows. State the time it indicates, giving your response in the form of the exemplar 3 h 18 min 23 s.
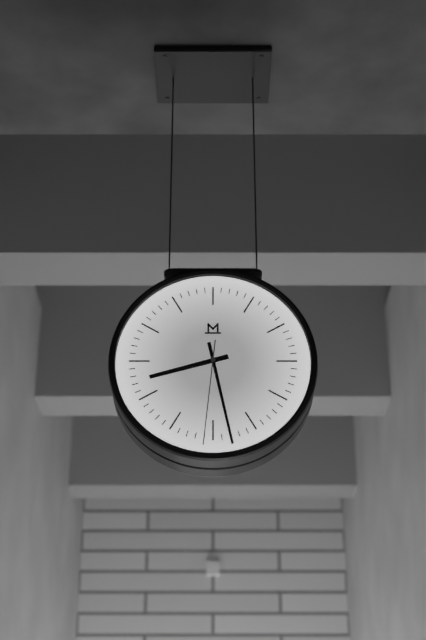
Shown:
8 h 28 min 31 s
